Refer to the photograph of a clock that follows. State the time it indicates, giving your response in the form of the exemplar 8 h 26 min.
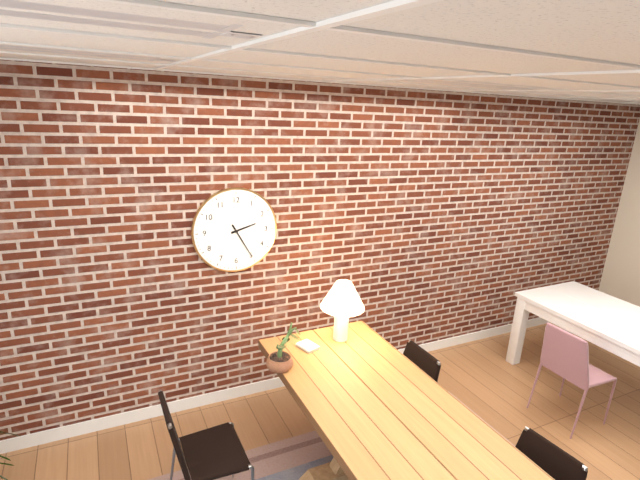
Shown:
2 h 25 min
